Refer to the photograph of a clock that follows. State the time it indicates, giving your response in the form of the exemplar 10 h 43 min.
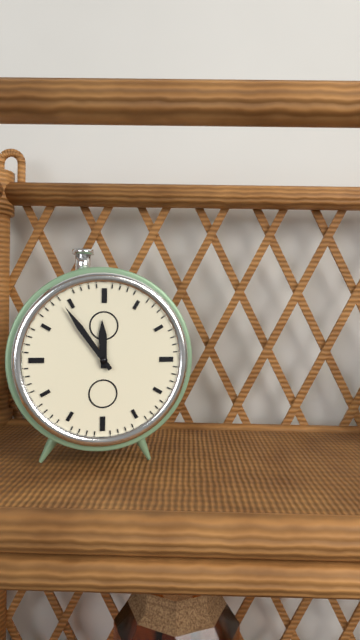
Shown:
11 h 54 min
